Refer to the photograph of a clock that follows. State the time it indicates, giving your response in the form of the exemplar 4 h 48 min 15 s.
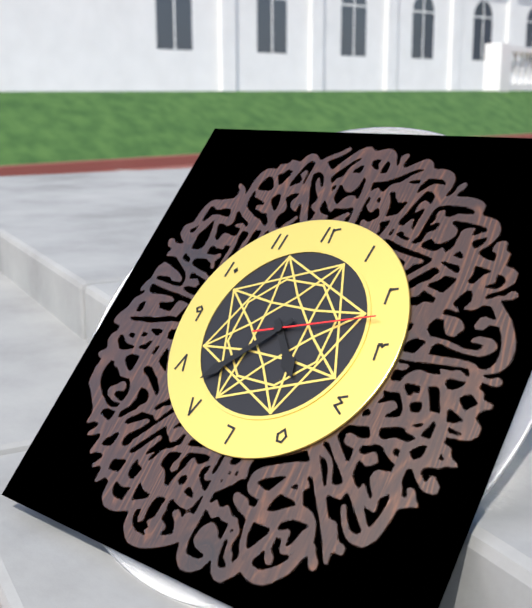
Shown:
4 h 37 min 12 s
